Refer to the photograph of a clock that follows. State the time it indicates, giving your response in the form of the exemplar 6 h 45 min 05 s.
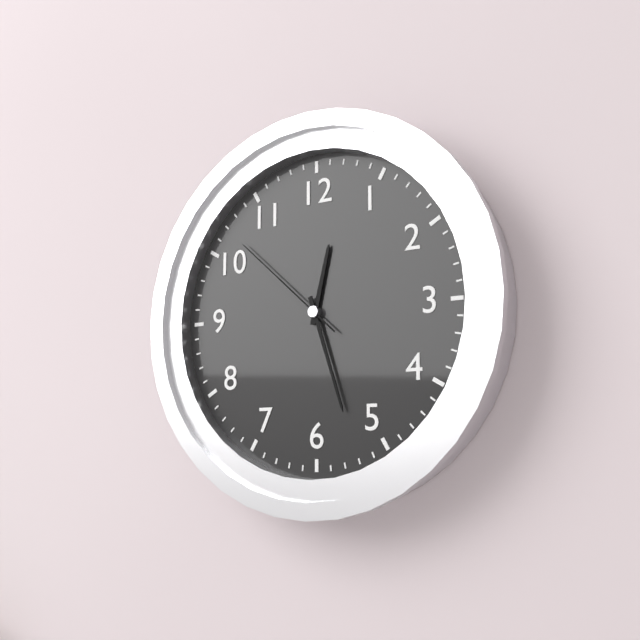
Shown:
12 h 27 min 52 s
